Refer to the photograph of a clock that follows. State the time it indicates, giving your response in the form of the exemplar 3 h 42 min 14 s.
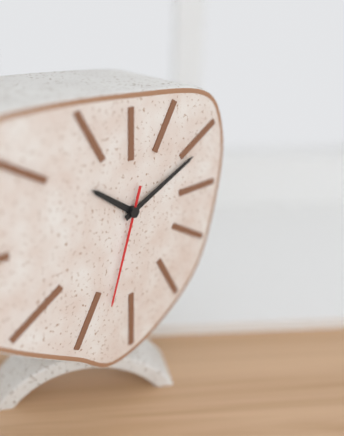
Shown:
10 h 11 min 33 s
